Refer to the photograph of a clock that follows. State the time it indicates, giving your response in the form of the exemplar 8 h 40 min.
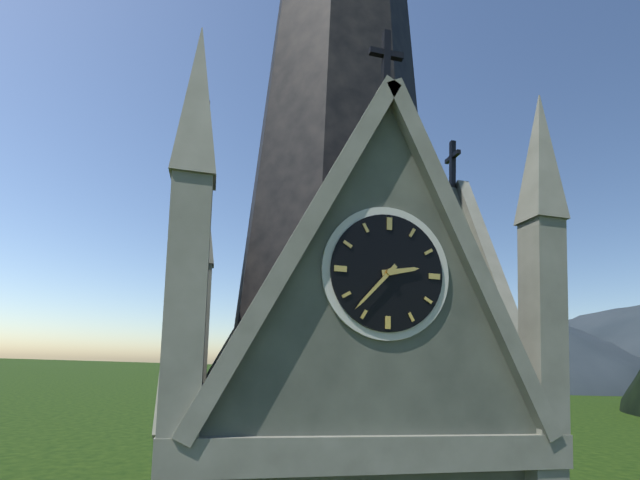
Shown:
2 h 37 min
